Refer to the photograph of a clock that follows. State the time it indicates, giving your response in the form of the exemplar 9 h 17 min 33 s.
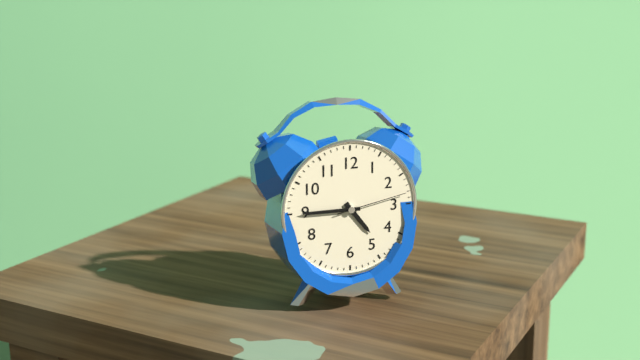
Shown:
4 h 45 min 13 s
